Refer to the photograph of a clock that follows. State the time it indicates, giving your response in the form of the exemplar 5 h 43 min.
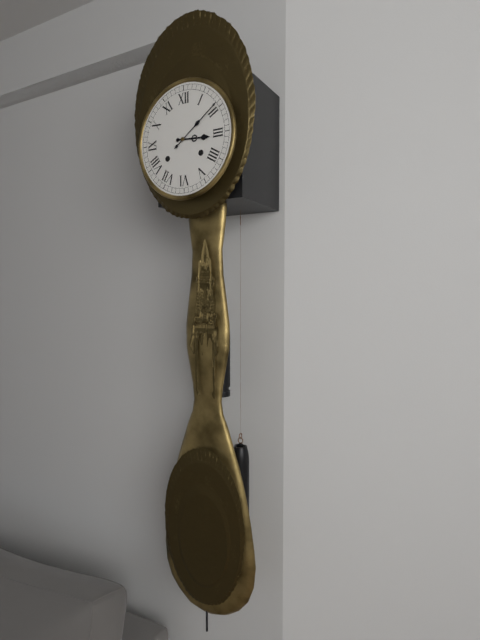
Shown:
3 h 09 min
